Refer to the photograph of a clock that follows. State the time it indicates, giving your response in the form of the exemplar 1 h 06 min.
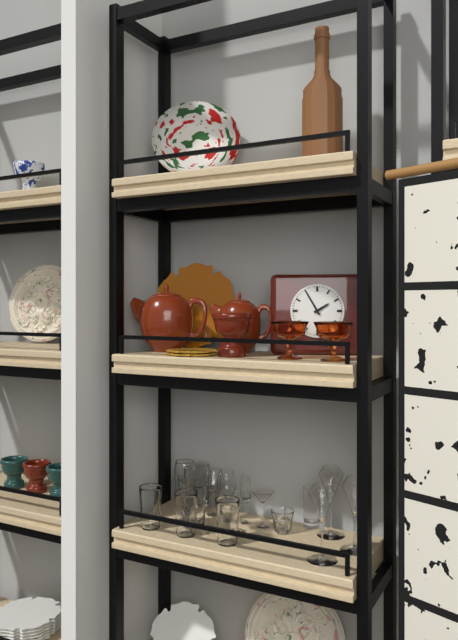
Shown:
1 h 55 min
